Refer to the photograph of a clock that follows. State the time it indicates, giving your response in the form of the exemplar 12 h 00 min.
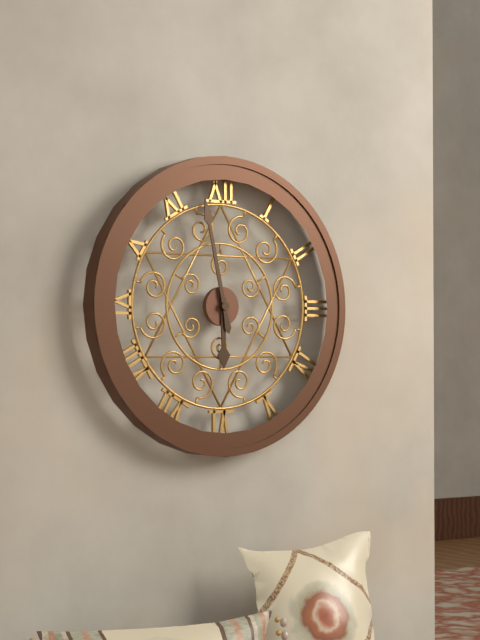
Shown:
5 h 58 min
